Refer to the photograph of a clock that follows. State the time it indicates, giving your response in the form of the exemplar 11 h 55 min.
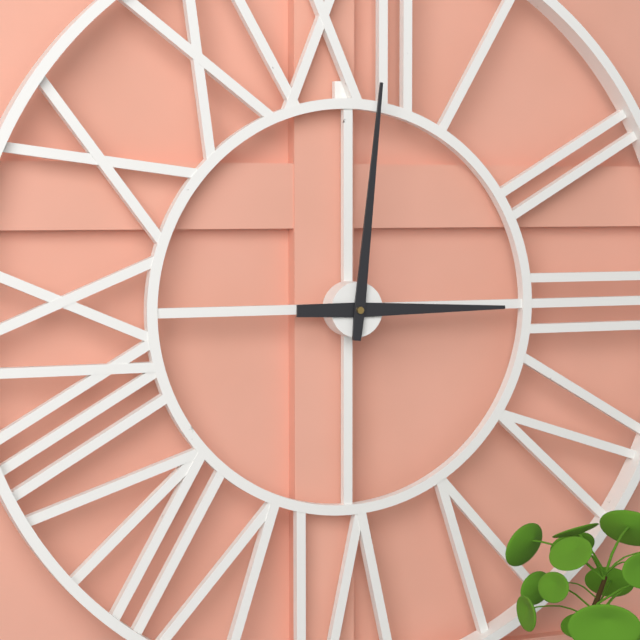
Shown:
3 h 01 min
